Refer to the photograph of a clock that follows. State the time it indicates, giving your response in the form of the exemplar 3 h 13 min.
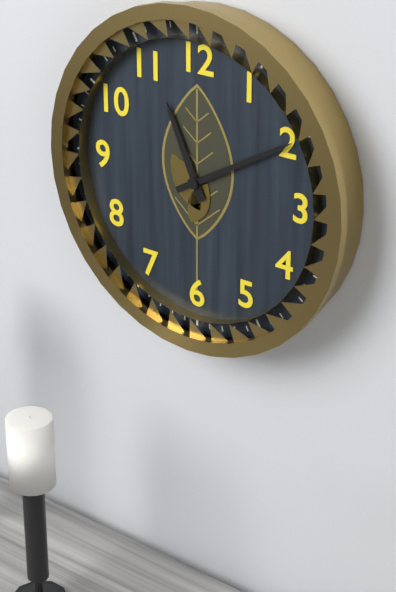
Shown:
11 h 10 min
